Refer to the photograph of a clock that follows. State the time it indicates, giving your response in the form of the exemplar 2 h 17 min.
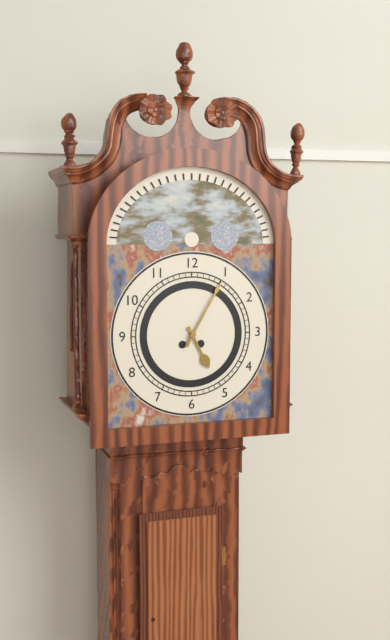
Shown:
5 h 05 min
